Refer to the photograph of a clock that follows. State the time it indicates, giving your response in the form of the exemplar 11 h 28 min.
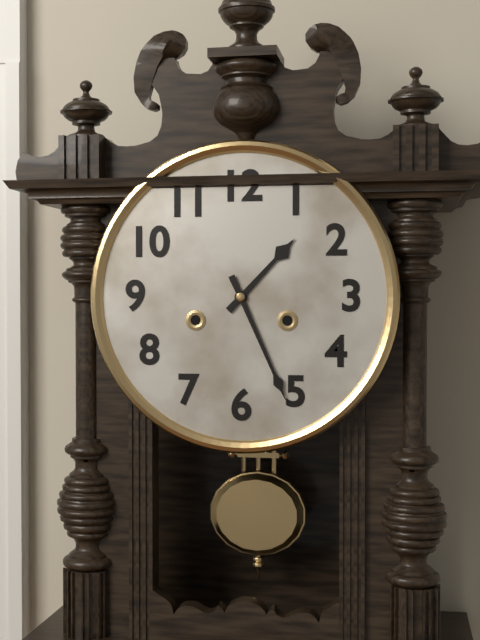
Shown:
1 h 26 min
